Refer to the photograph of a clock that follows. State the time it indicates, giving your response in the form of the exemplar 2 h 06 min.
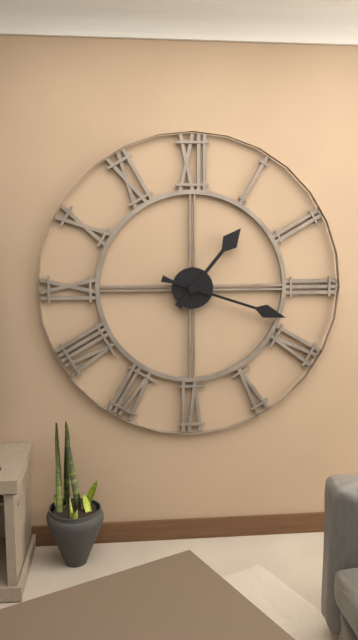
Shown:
1 h 18 min
